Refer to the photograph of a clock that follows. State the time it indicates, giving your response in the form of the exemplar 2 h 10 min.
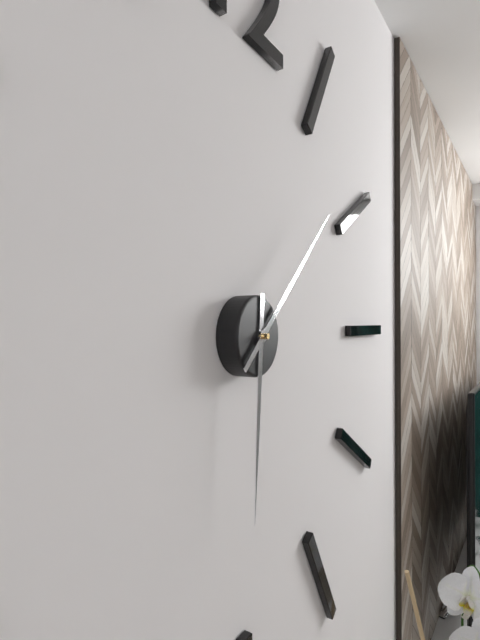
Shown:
6 h 08 min
